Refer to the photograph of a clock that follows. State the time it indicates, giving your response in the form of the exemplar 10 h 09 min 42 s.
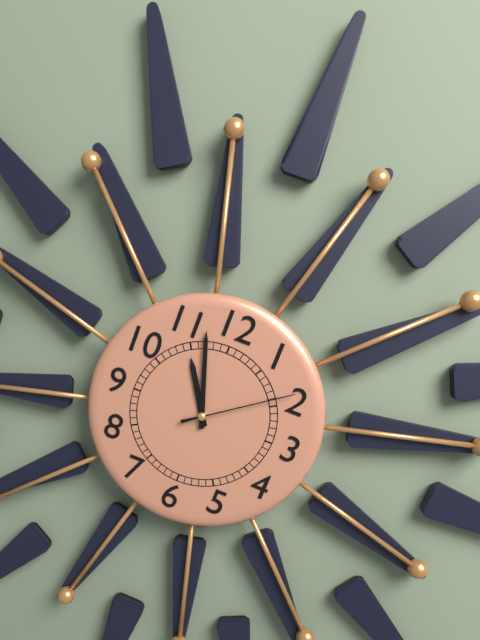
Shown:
10 h 57 min 09 s
